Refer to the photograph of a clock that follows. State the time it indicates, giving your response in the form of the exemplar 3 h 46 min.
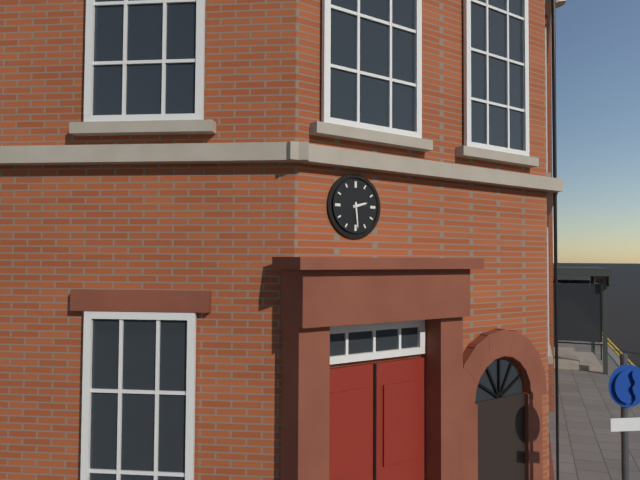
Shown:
2 h 29 min
